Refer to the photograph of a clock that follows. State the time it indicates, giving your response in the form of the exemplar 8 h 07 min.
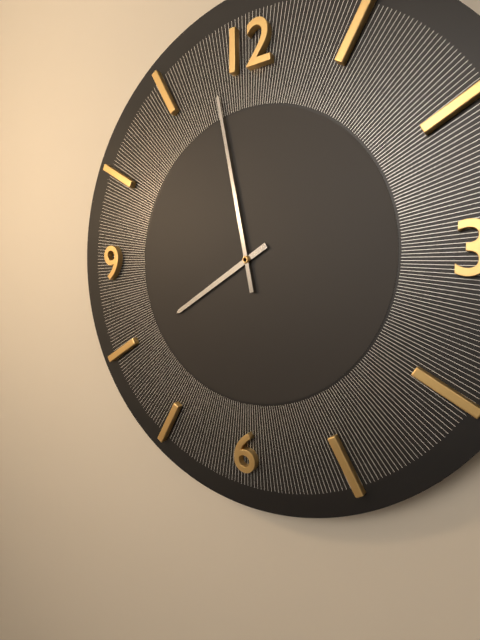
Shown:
7 h 58 min
